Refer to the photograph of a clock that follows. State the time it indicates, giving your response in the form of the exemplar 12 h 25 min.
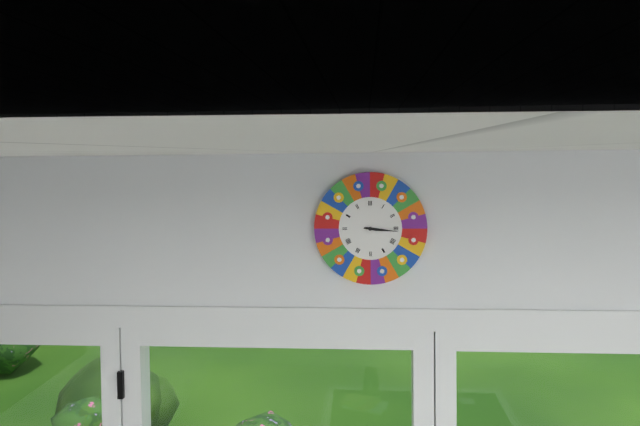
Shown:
3 h 16 min
